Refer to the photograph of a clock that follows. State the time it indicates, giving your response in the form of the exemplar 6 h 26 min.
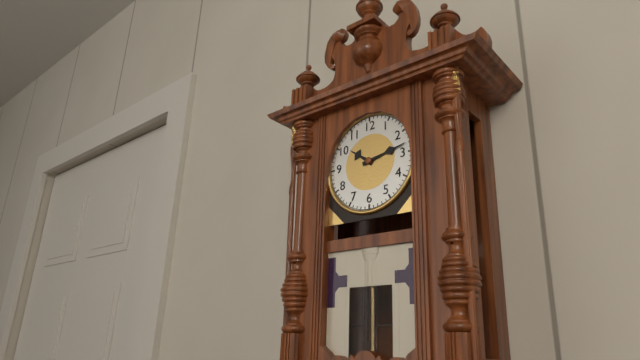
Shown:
10 h 13 min
